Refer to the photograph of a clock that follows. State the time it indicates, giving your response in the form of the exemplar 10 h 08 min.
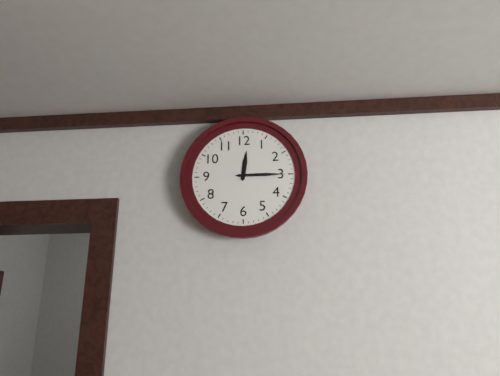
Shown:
12 h 15 min
